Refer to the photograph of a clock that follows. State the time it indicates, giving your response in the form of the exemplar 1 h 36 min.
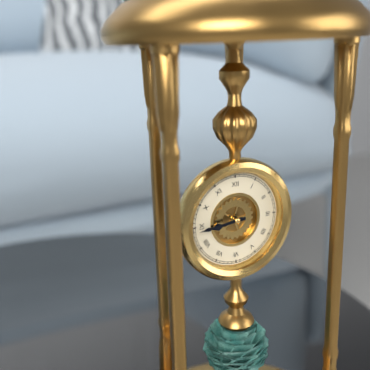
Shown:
8 h 44 min
